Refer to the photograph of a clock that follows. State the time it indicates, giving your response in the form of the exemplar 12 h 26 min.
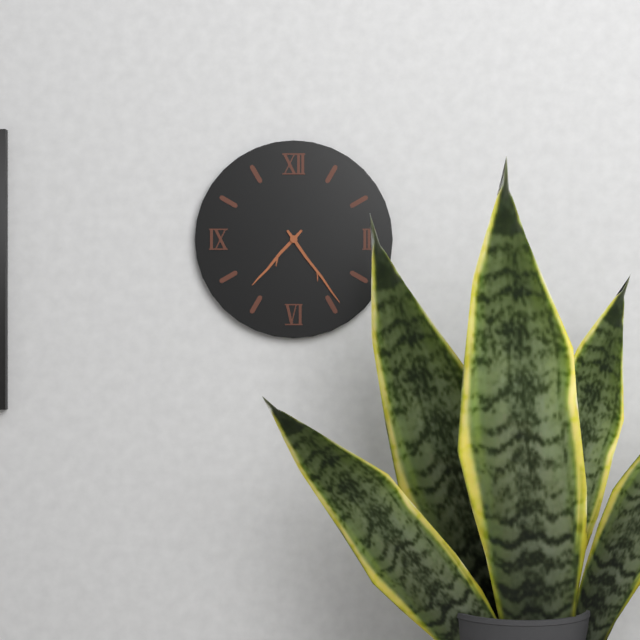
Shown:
7 h 24 min
